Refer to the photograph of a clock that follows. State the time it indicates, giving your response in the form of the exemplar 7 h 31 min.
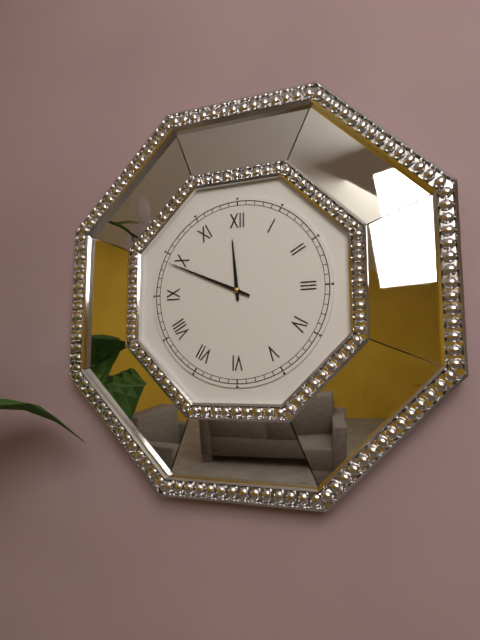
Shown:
11 h 49 min
